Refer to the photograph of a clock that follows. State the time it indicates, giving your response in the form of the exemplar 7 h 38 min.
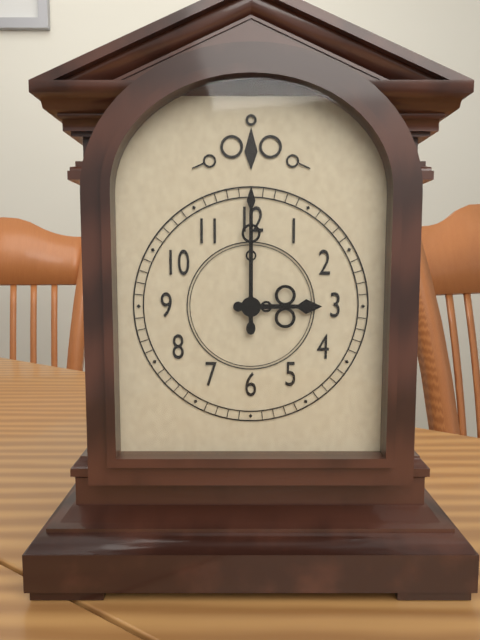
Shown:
3 h 00 min
